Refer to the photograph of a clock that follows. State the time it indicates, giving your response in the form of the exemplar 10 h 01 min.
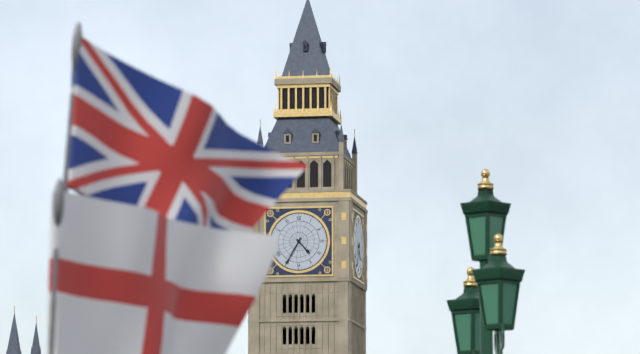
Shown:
4 h 35 min
